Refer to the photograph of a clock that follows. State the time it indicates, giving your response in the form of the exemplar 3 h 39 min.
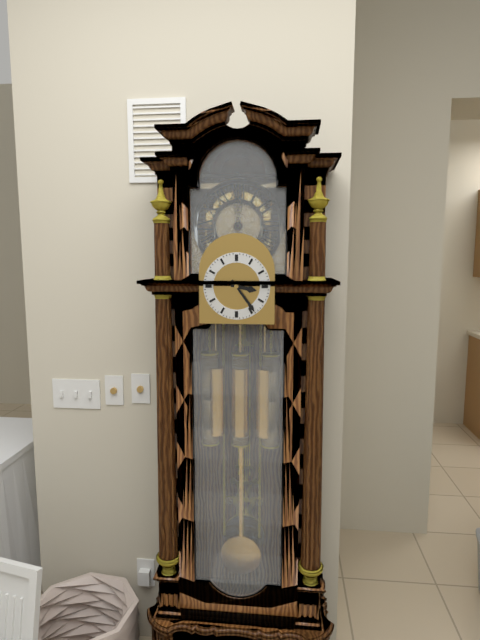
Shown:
3 h 24 min
